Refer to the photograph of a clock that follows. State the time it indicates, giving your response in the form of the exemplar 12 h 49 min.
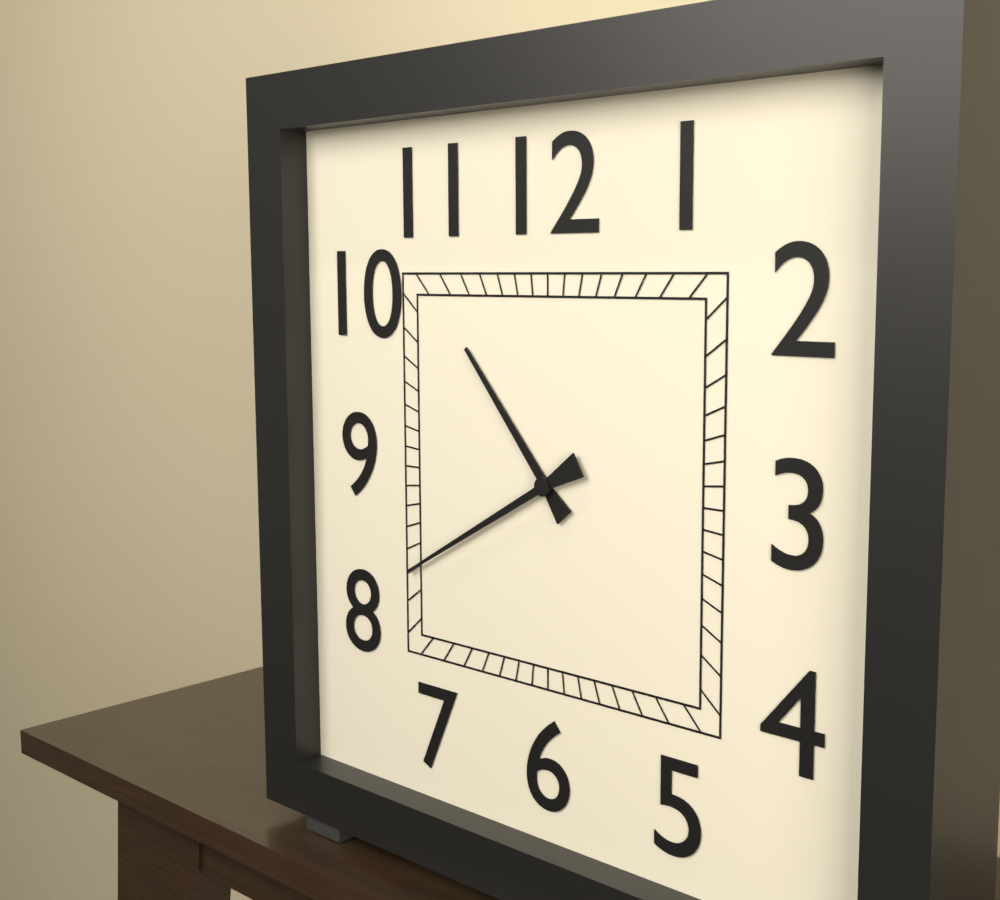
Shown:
10 h 40 min
